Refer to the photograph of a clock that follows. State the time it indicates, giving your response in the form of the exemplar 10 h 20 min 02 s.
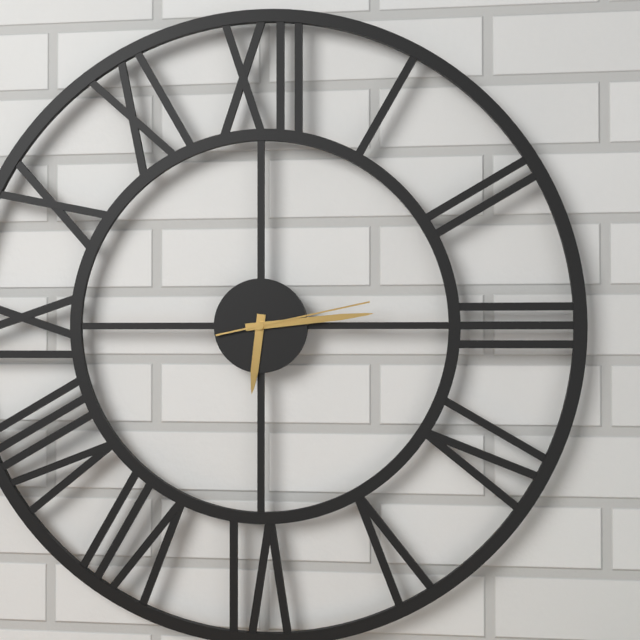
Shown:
6 h 14 min 13 s
